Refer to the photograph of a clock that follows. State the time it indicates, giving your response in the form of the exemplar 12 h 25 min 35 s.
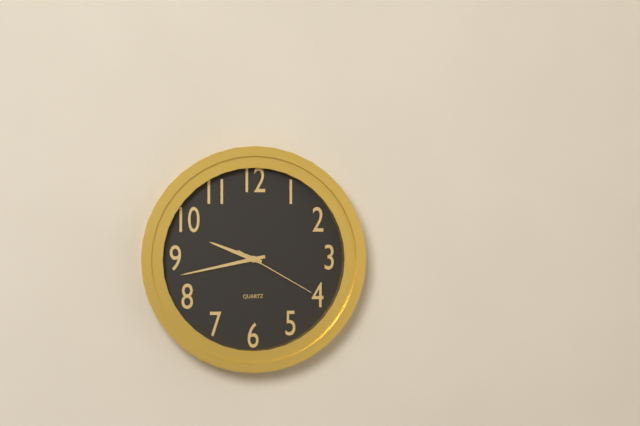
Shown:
9 h 43 min 20 s
